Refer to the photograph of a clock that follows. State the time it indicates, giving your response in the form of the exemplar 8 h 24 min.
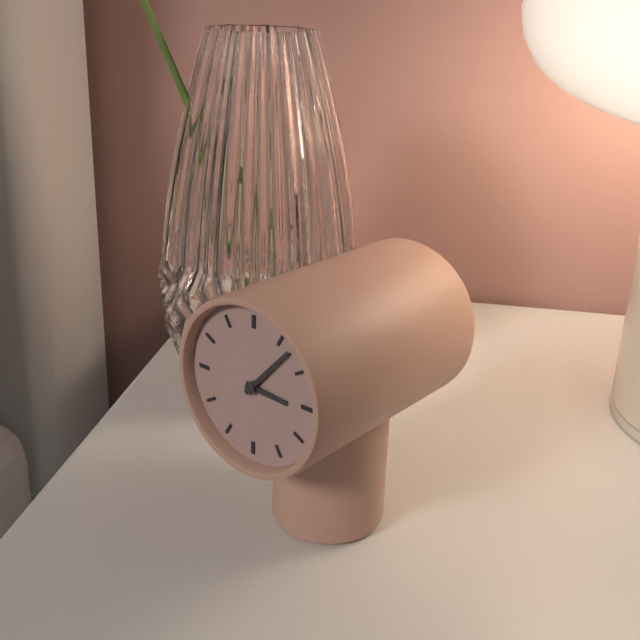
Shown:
3 h 07 min
